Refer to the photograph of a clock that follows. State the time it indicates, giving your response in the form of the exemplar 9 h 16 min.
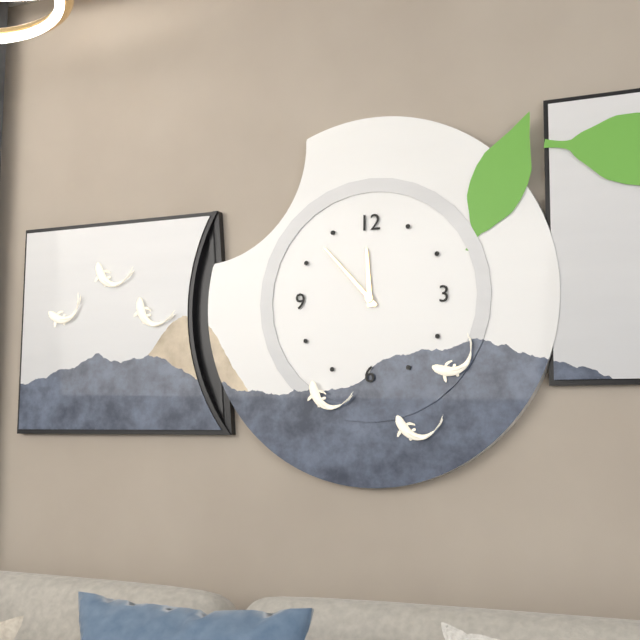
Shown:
11 h 53 min
